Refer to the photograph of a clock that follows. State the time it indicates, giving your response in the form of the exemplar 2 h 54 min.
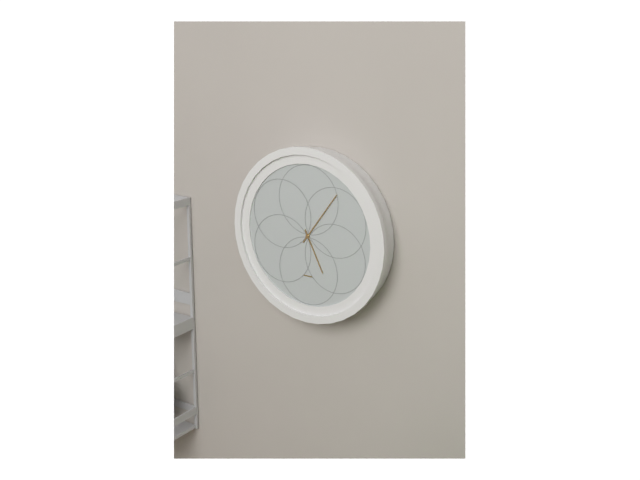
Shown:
5 h 06 min
